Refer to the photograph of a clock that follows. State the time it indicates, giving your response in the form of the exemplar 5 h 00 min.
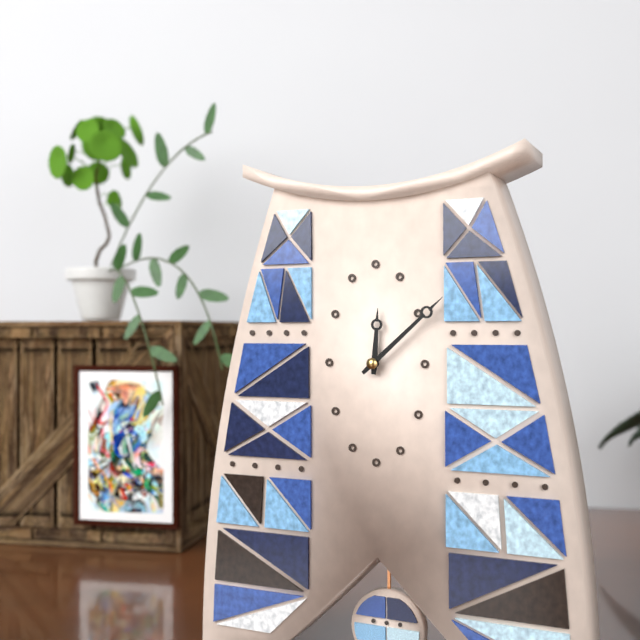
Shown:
12 h 08 min
